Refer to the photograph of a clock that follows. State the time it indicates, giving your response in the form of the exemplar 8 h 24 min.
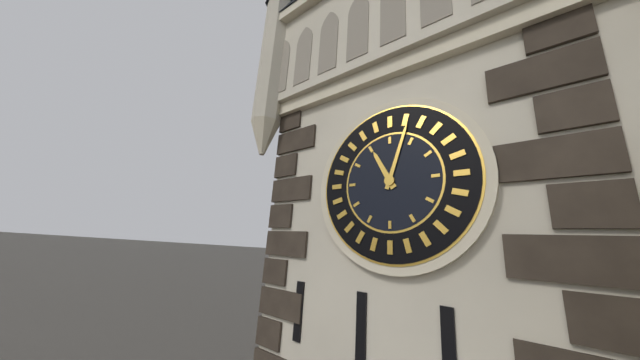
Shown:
11 h 03 min
